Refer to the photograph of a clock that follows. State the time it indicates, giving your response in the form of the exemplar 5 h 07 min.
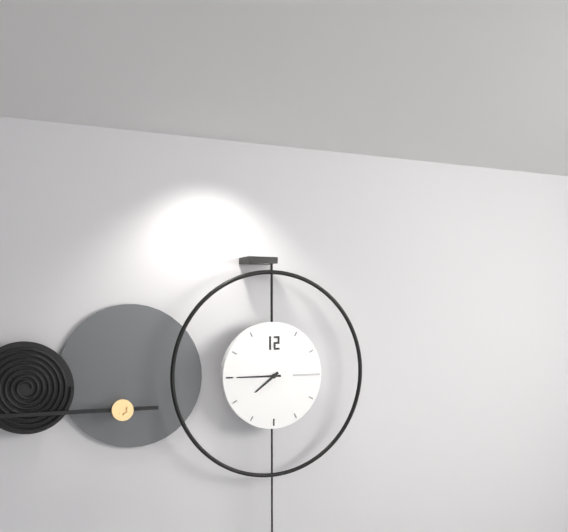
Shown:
7 h 45 min
